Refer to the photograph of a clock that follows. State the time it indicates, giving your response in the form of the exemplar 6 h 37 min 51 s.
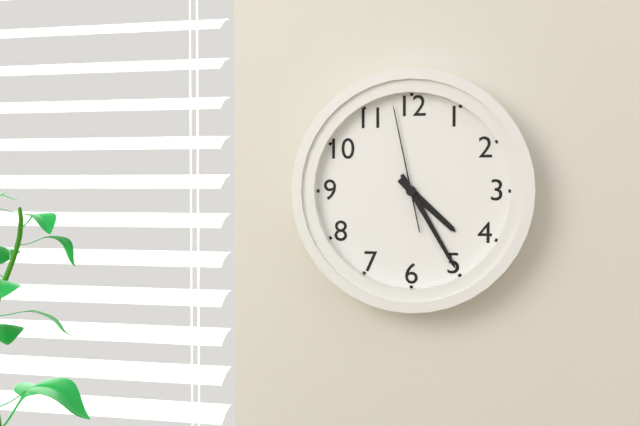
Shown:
4 h 25 min 58 s
